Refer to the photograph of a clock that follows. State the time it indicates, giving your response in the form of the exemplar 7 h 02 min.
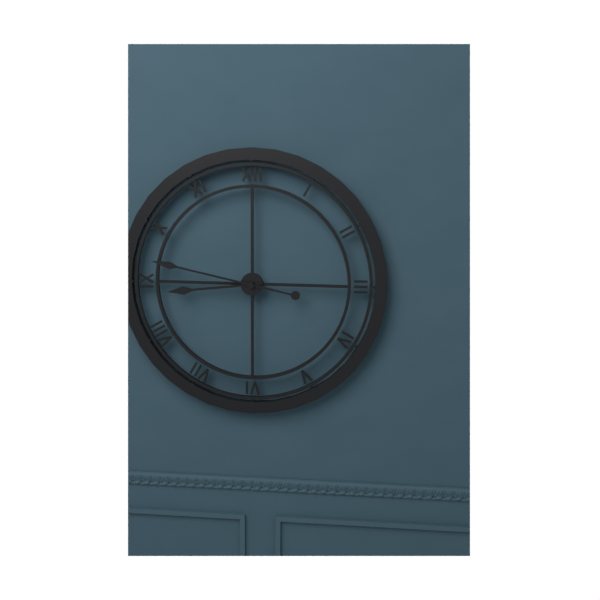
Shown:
8 h 47 min
